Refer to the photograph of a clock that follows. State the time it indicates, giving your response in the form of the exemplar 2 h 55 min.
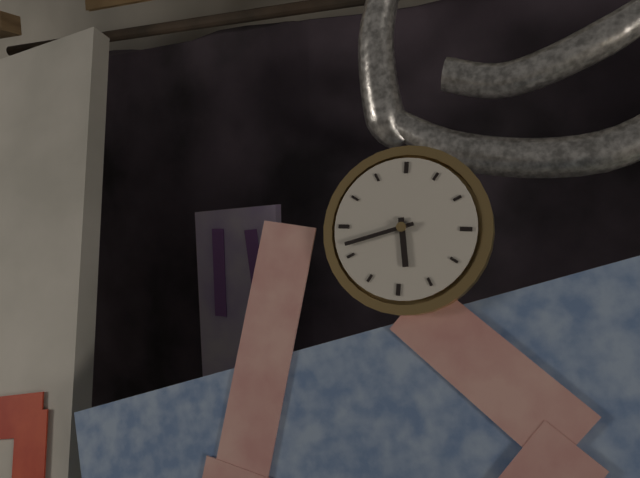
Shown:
5 h 42 min
